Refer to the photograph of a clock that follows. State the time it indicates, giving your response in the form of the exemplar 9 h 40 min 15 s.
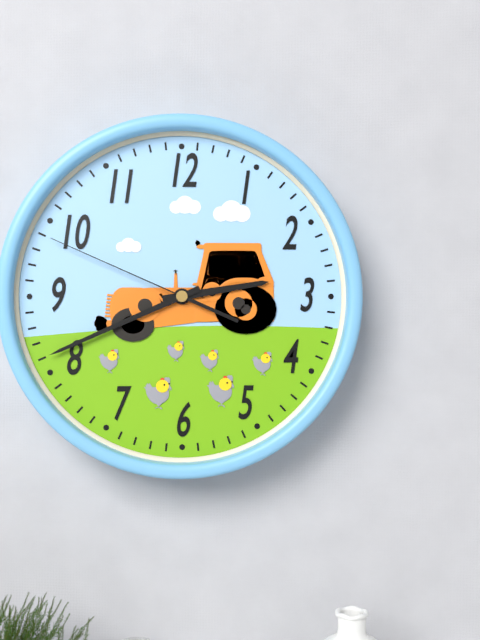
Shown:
2 h 41 min 49 s
